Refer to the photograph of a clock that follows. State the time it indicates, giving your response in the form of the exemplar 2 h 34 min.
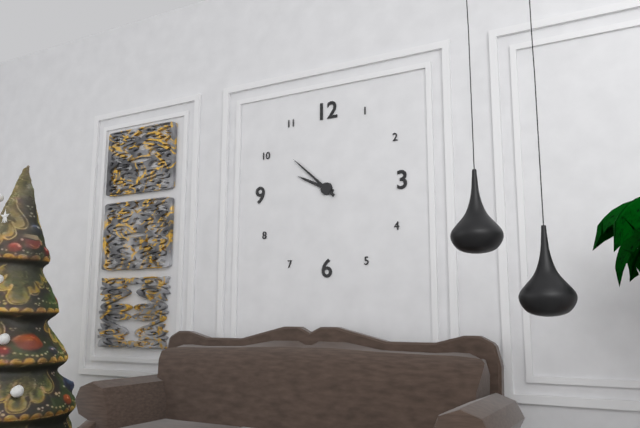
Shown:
9 h 52 min
